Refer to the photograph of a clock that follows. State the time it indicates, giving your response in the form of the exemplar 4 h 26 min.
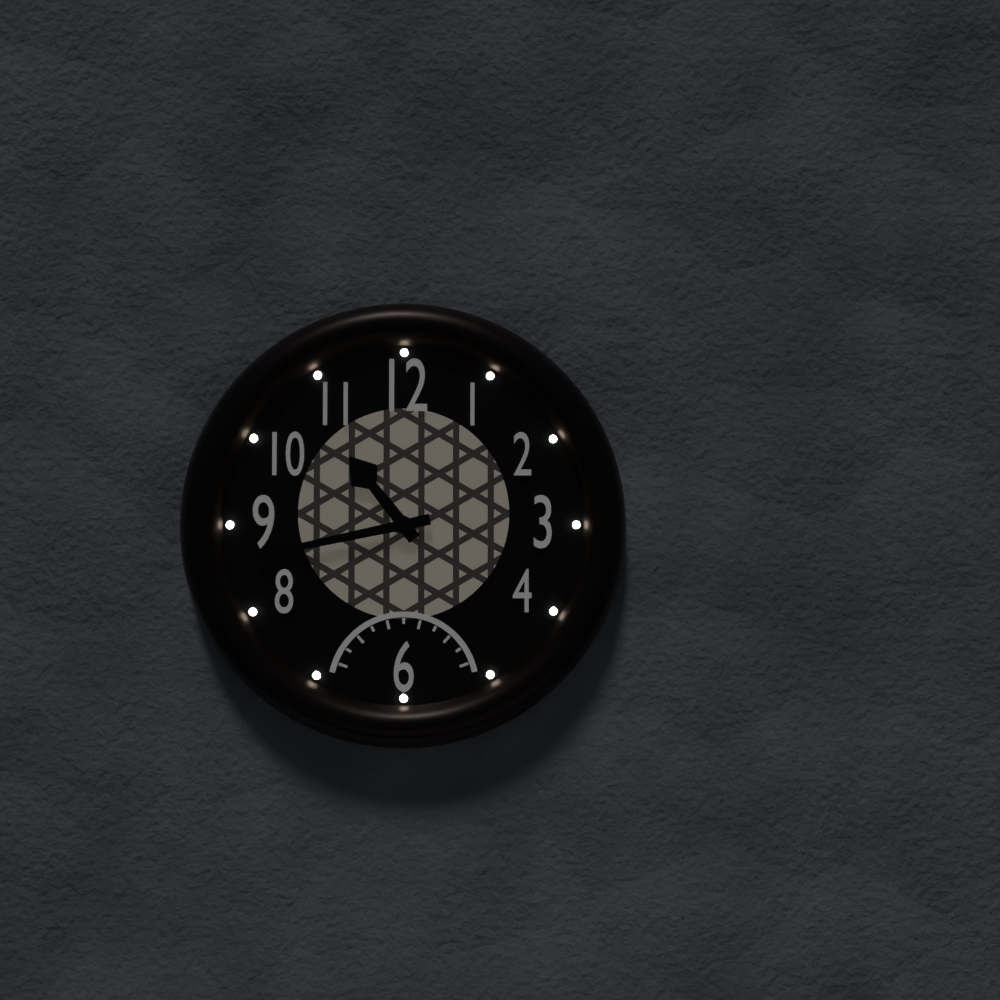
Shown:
10 h 43 min
